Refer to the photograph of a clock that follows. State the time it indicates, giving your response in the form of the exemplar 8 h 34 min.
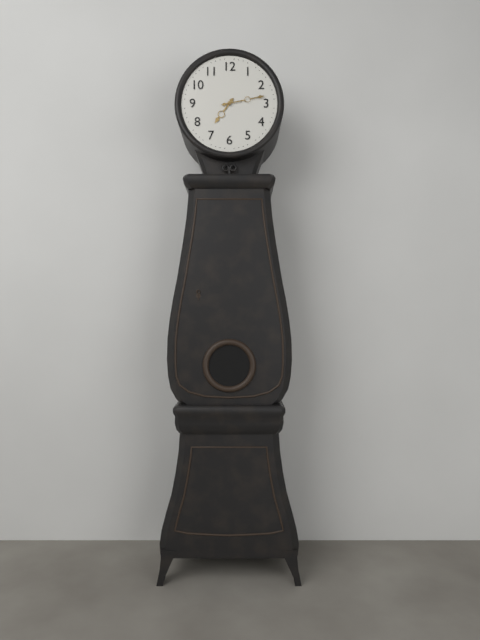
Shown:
7 h 13 min
